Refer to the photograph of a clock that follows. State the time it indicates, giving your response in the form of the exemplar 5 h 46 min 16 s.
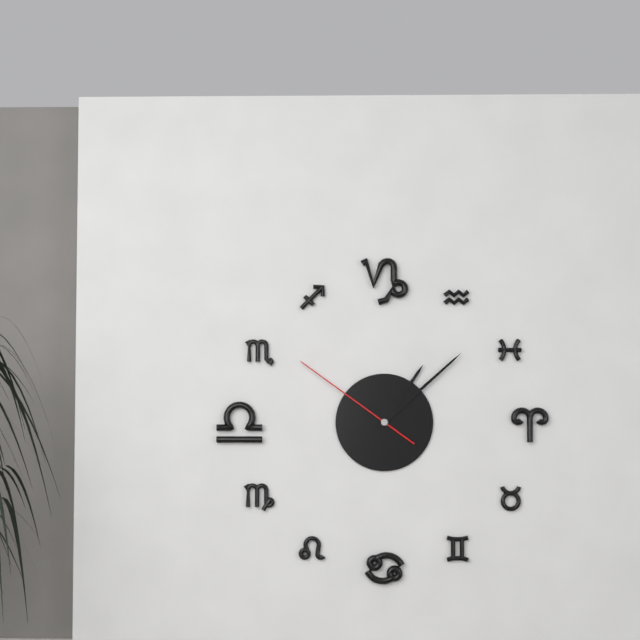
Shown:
1 h 08 min 51 s
